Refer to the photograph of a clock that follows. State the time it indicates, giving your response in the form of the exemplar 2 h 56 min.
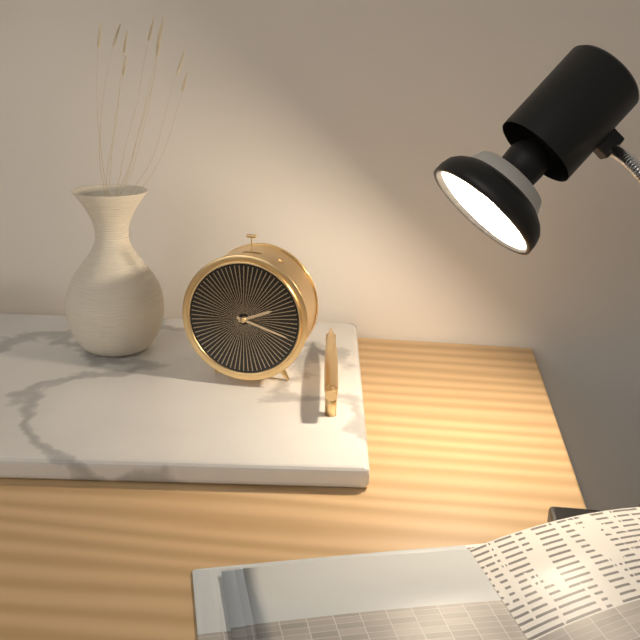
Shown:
2 h 18 min
